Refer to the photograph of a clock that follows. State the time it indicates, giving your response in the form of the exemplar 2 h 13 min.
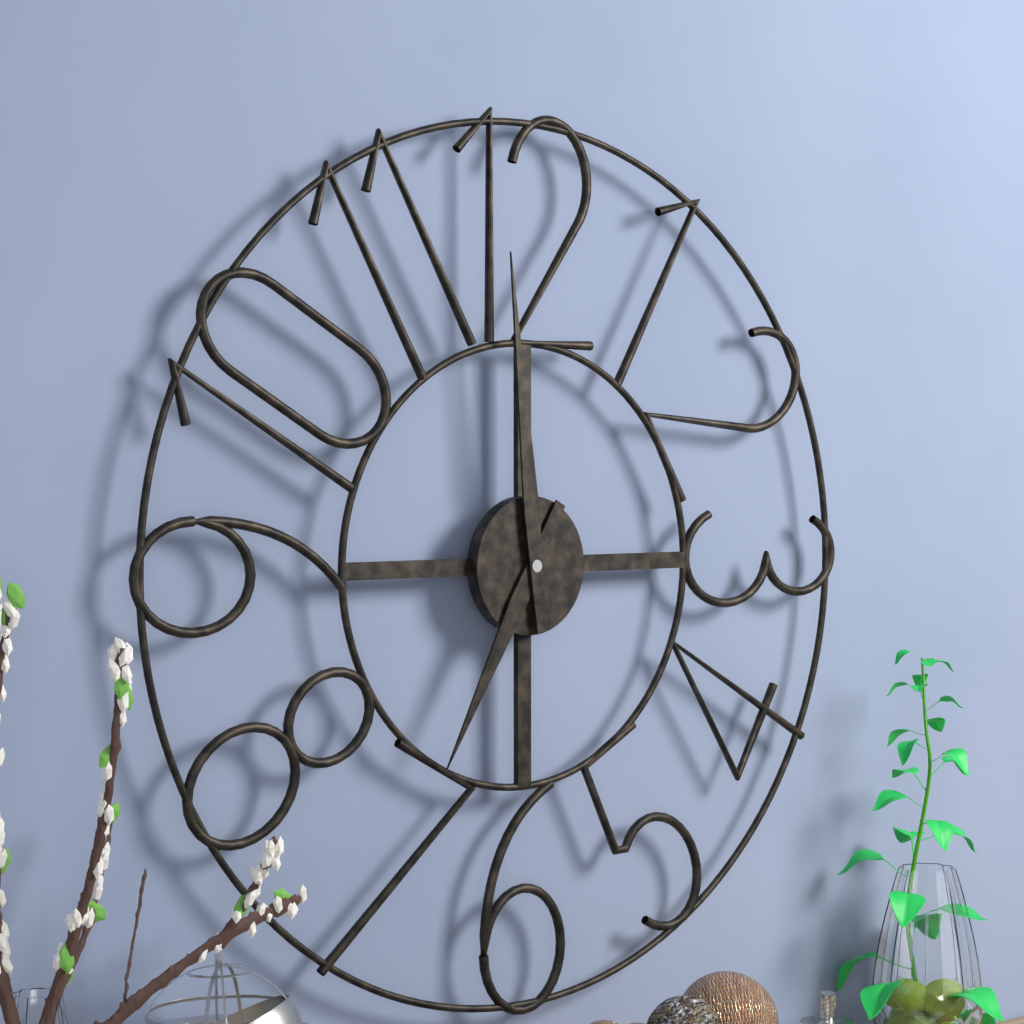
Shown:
6 h 59 min
